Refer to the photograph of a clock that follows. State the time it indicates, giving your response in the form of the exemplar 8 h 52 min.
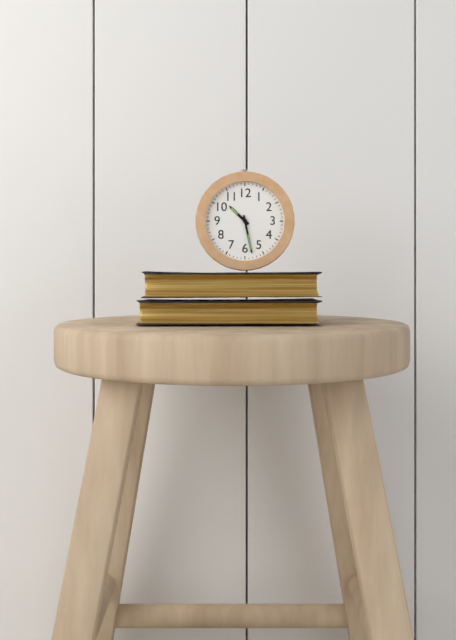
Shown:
10 h 28 min
